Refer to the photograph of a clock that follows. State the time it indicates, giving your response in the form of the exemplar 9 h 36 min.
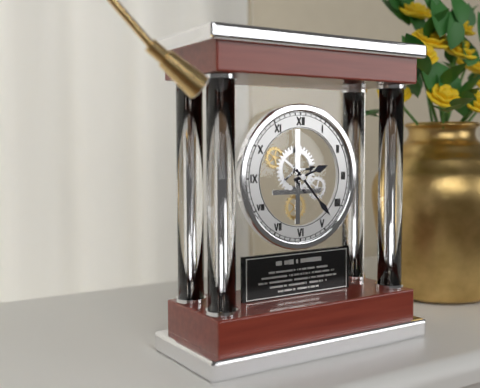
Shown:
2 h 23 min
